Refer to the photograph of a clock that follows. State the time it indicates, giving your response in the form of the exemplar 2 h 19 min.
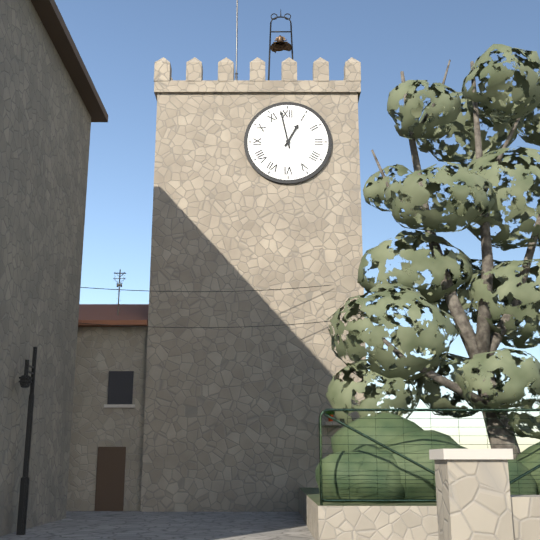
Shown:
12 h 58 min
